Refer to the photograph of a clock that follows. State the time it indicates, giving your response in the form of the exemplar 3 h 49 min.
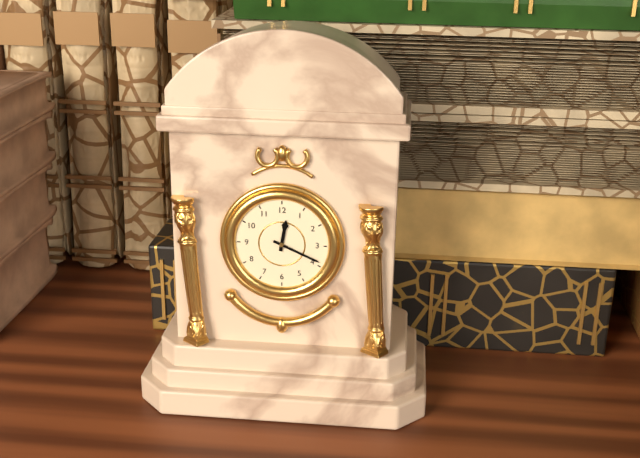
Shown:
12 h 19 min
